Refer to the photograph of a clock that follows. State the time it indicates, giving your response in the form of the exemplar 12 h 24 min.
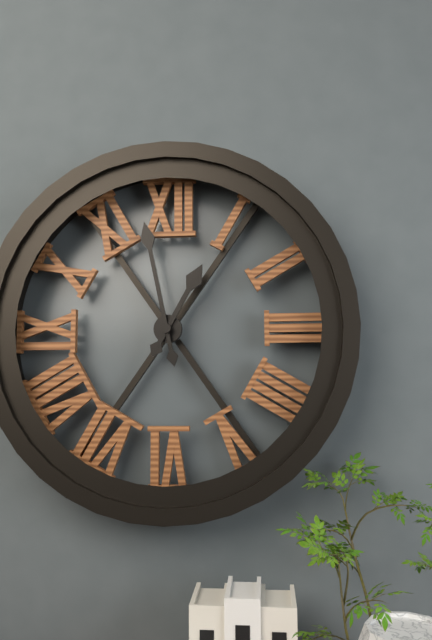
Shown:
12 h 58 min
